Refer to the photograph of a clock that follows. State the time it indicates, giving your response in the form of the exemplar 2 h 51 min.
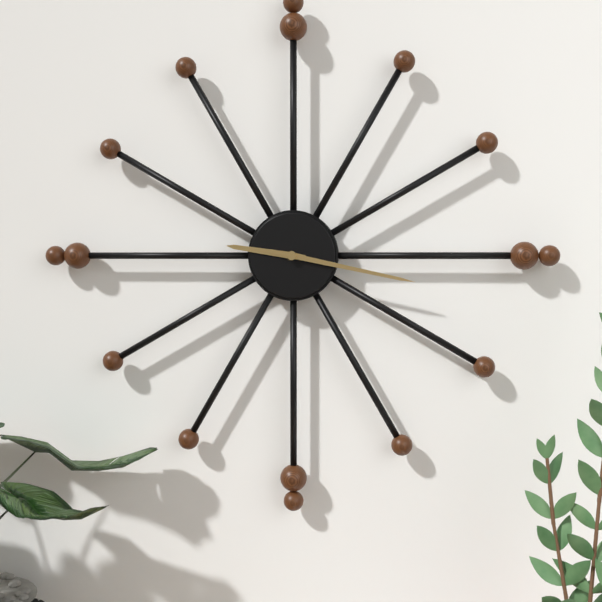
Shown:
9 h 17 min
